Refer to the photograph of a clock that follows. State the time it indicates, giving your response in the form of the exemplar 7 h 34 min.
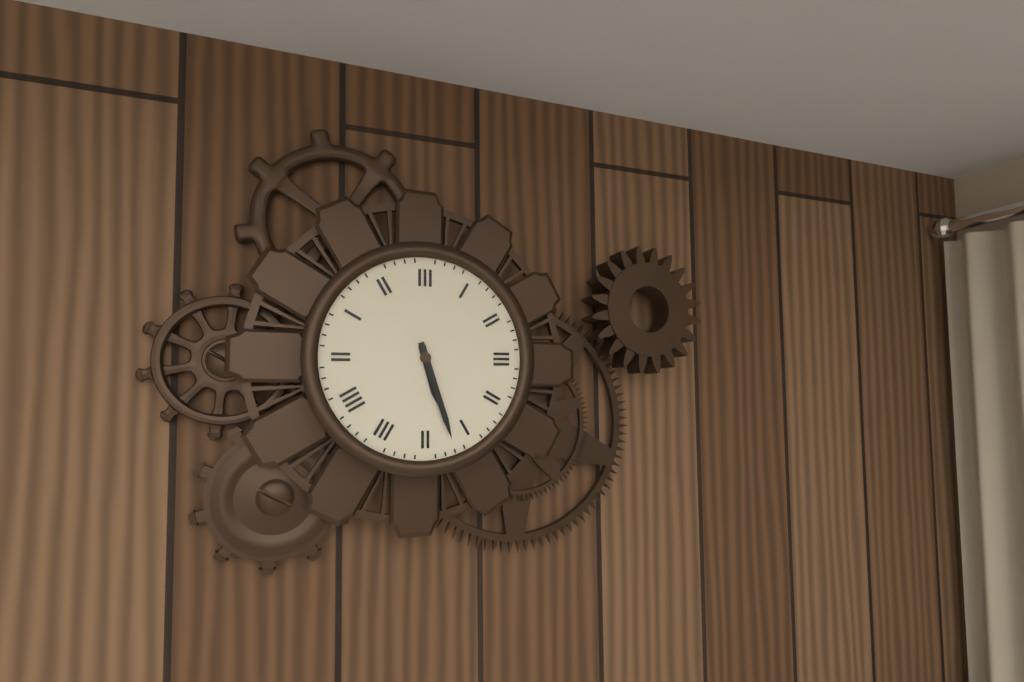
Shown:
5 h 27 min
